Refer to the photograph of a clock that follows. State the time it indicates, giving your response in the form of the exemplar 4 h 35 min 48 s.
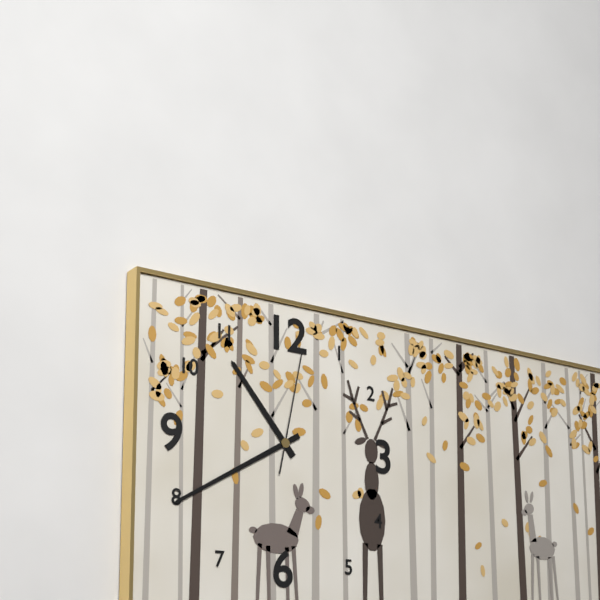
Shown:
10 h 40 min 02 s
